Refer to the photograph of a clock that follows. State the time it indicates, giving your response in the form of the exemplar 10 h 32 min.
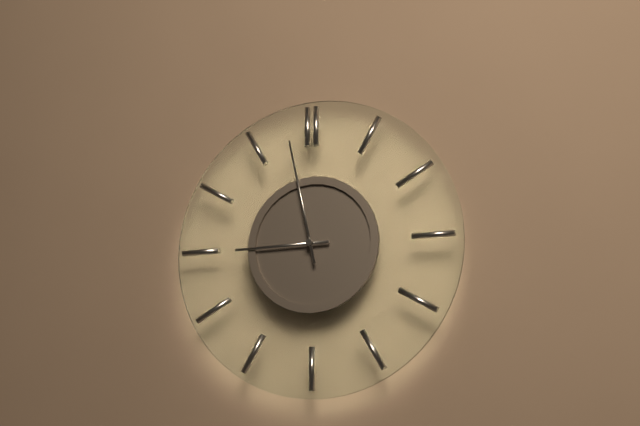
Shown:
8 h 58 min
